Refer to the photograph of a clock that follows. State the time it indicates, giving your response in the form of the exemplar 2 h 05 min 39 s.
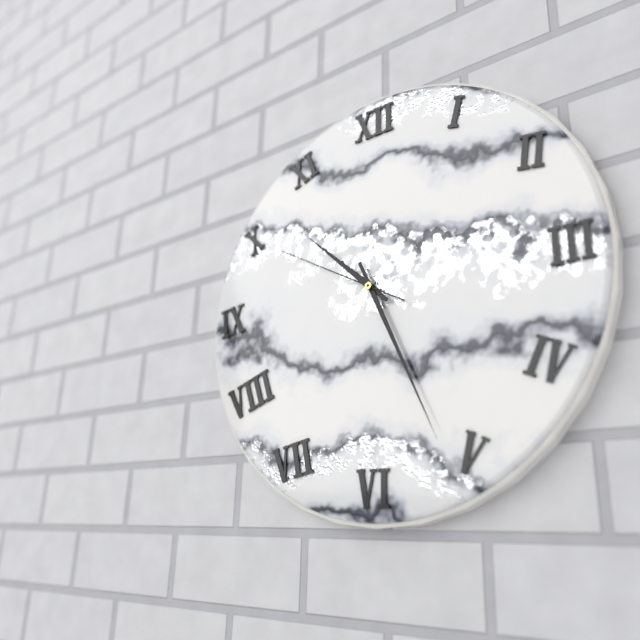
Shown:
10 h 26 min 50 s
